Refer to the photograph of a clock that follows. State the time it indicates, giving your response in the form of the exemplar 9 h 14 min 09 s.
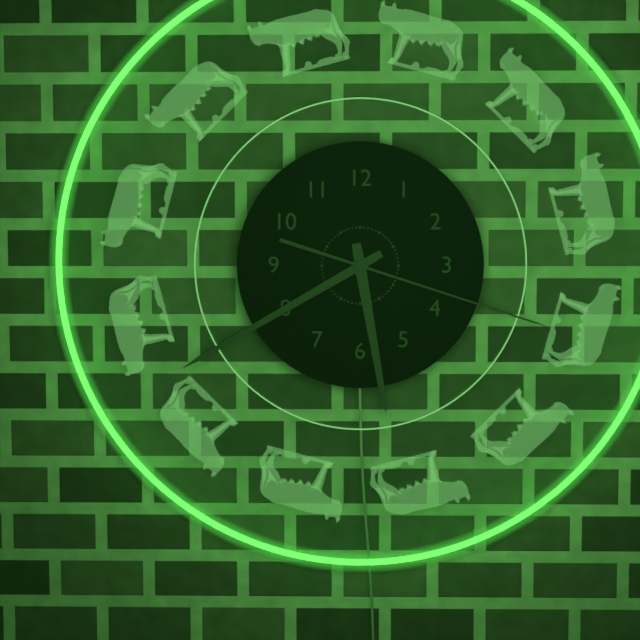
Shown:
5 h 40 min 18 s
